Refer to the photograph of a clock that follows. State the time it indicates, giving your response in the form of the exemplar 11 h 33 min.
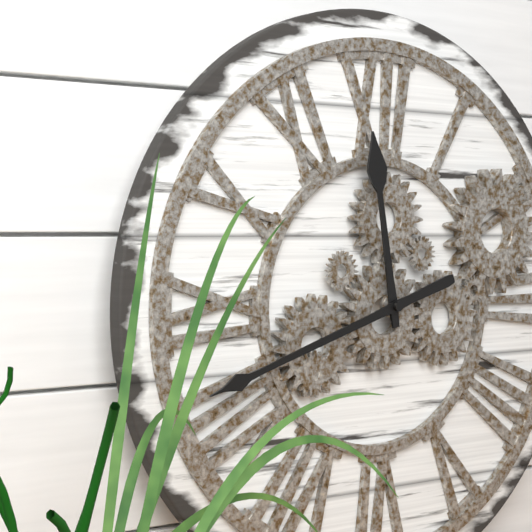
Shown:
11 h 42 min
